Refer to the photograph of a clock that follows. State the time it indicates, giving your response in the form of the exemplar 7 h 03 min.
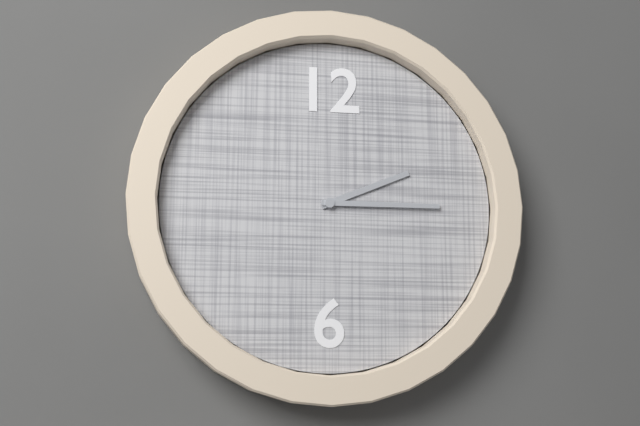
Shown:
2 h 15 min
